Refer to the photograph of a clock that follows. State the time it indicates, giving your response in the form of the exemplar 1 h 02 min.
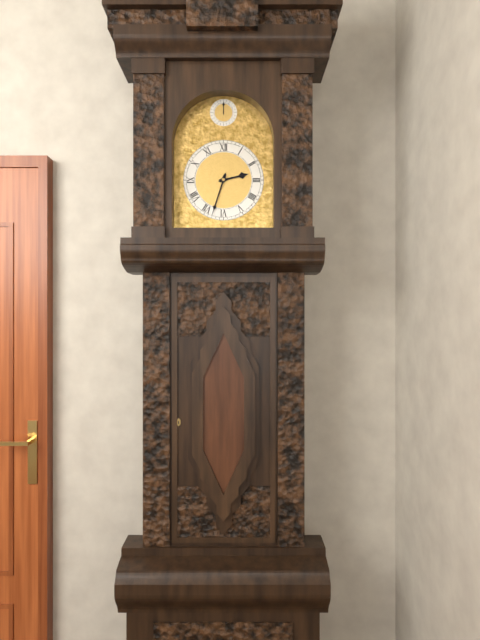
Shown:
2 h 33 min
